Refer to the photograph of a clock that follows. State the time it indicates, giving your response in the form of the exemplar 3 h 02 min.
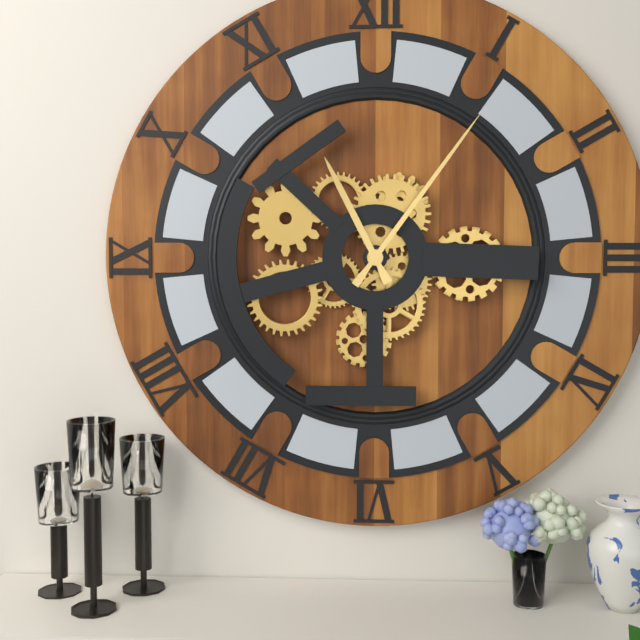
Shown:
11 h 06 min
